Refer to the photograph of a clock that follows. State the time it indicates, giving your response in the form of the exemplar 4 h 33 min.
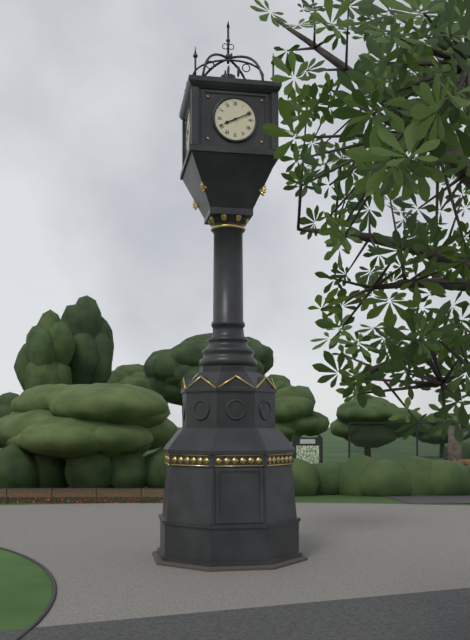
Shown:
8 h 11 min
